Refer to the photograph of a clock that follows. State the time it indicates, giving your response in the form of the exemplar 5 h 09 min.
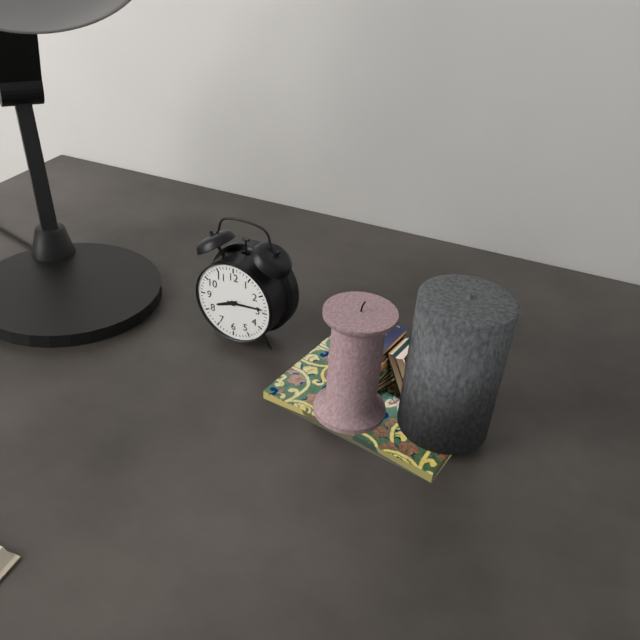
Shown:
8 h 14 min
